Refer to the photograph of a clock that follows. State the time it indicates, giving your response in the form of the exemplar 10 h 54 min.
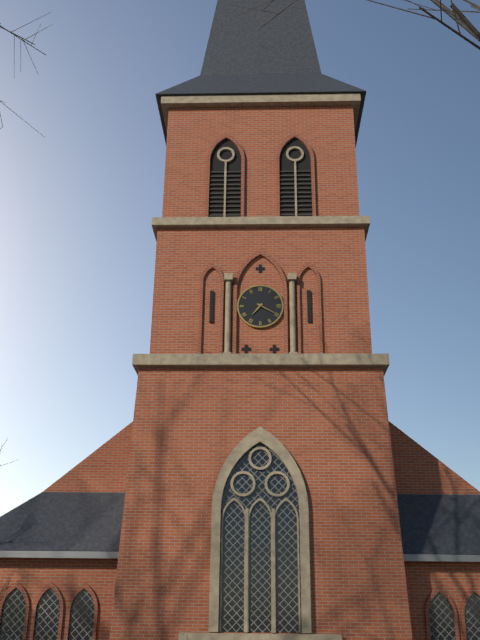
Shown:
7 h 20 min
